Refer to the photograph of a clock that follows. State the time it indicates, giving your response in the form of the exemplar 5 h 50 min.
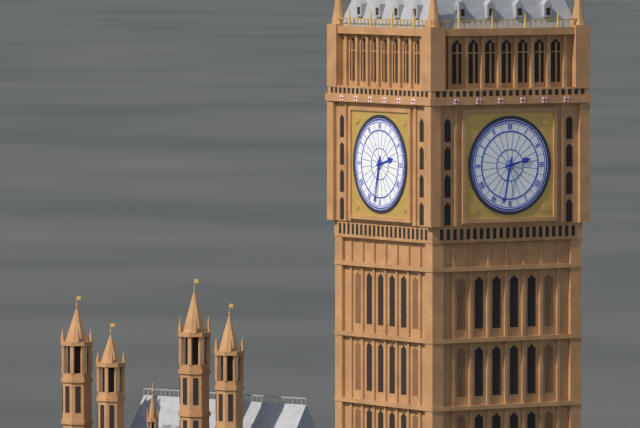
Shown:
2 h 32 min
